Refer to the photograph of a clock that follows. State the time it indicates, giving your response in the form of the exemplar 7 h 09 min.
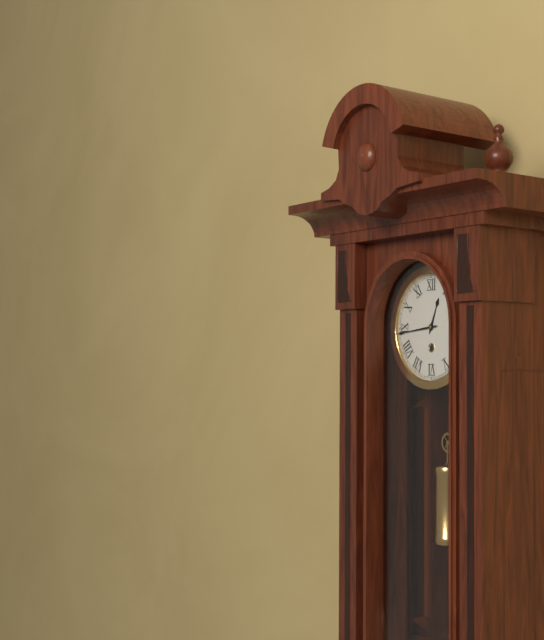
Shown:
12 h 44 min
